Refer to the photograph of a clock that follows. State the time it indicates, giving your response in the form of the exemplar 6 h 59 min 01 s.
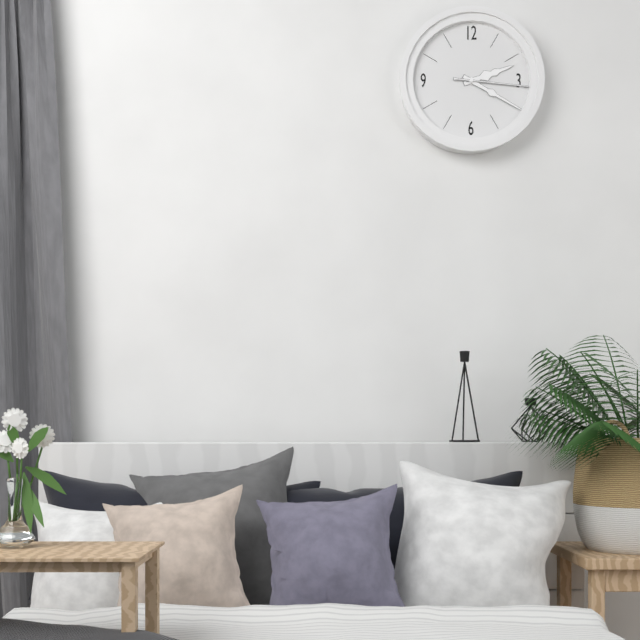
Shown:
2 h 20 min 16 s
